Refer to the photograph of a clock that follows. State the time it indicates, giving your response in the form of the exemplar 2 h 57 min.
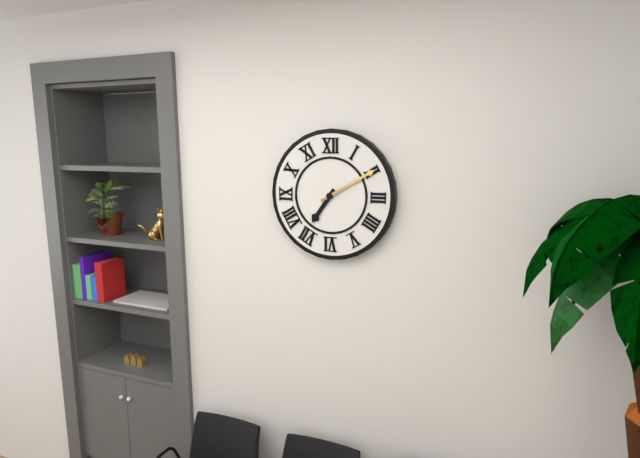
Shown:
7 h 10 min
